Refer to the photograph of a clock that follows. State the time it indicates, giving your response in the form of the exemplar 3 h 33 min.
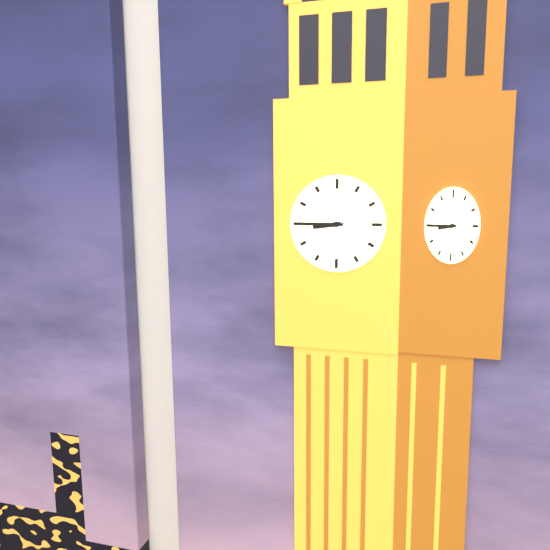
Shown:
8 h 45 min
